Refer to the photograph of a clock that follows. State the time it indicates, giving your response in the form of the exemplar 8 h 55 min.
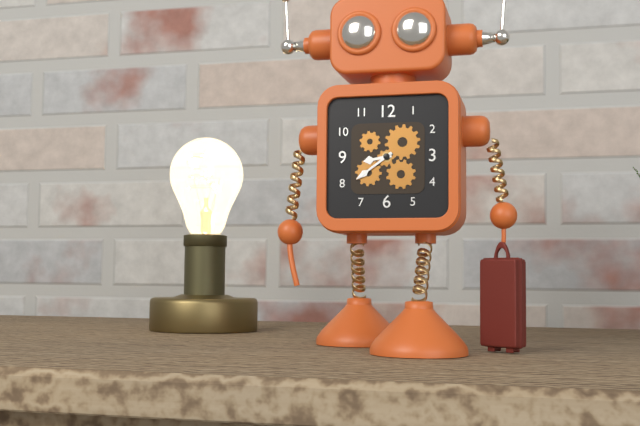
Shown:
8 h 39 min
